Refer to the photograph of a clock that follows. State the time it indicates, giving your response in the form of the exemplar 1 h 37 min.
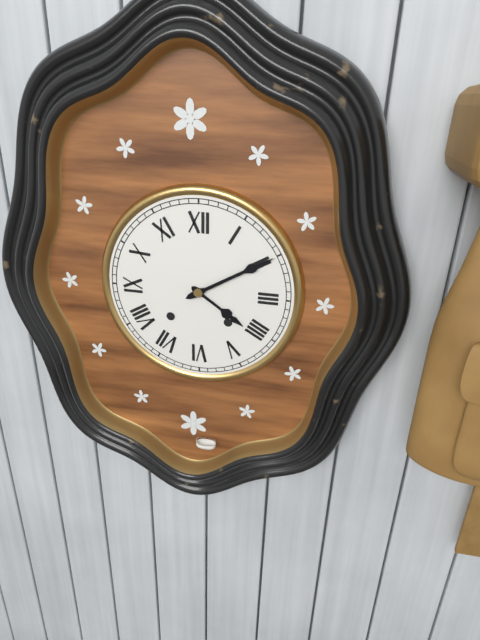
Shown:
4 h 10 min
